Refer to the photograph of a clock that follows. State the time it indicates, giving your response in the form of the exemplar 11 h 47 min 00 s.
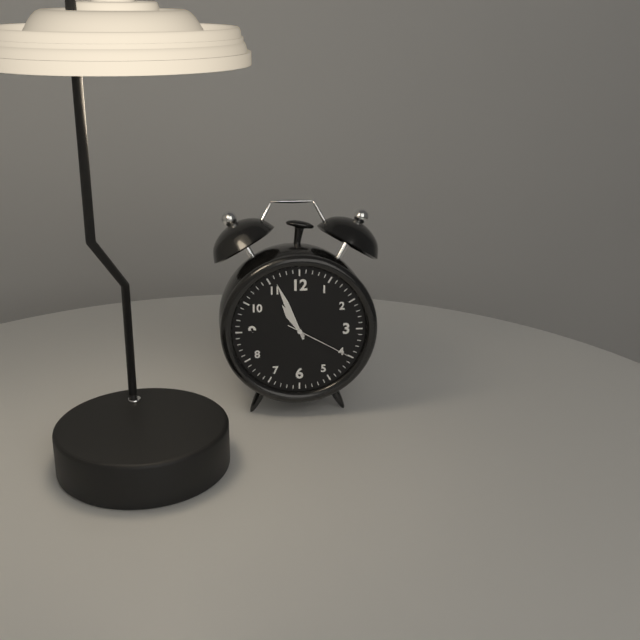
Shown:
10 h 56 min 20 s
